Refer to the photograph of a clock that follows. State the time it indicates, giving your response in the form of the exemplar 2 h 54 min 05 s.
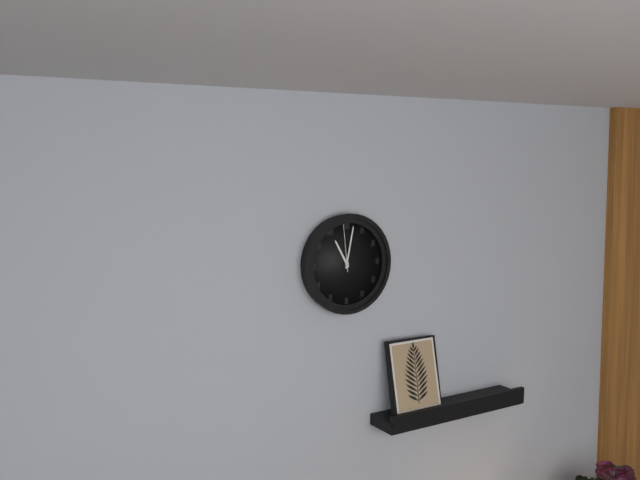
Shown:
11 h 02 min 59 s
